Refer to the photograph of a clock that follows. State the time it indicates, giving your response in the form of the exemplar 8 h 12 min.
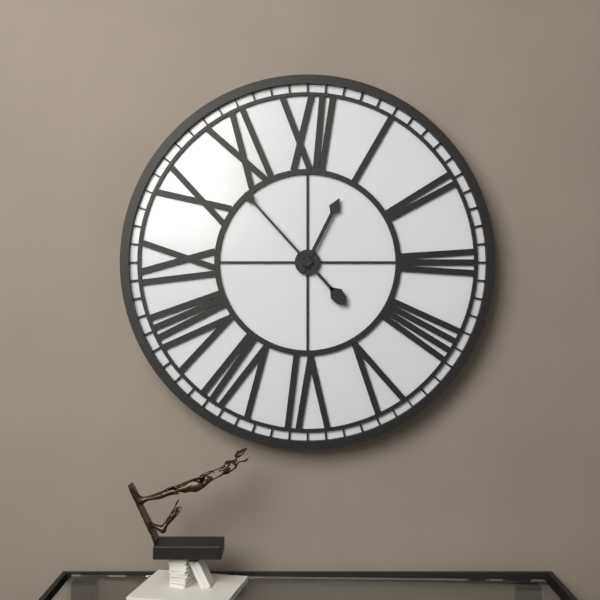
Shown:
12 h 53 min
